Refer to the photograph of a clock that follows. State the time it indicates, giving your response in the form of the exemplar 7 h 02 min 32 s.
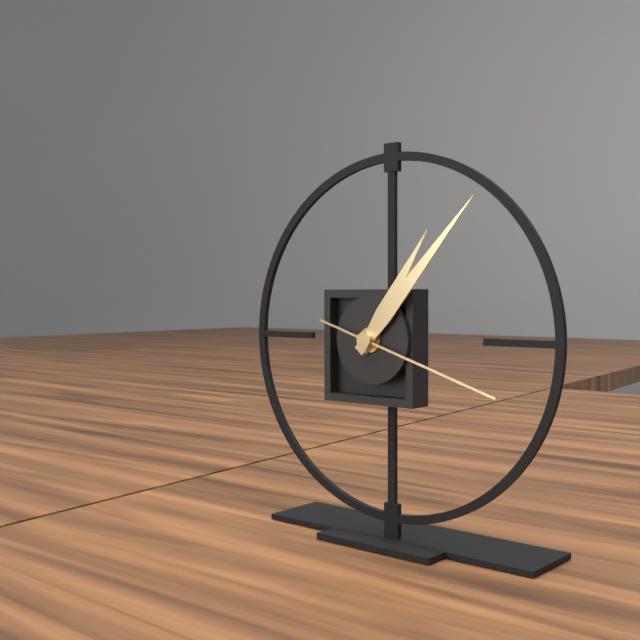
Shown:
1 h 07 min 18 s
